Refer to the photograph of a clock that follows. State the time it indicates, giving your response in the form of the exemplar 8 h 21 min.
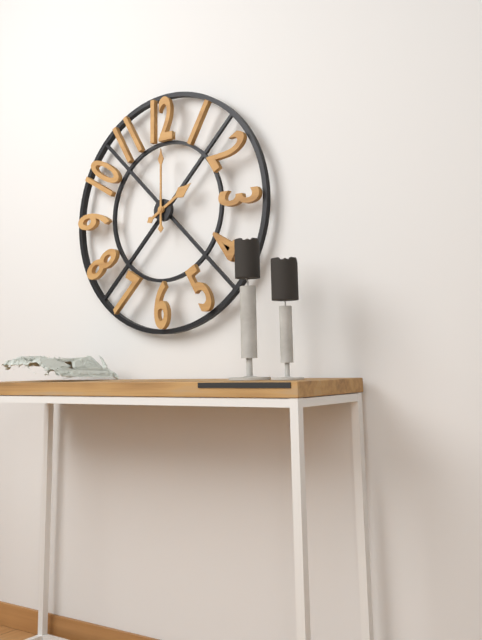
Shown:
2 h 00 min
